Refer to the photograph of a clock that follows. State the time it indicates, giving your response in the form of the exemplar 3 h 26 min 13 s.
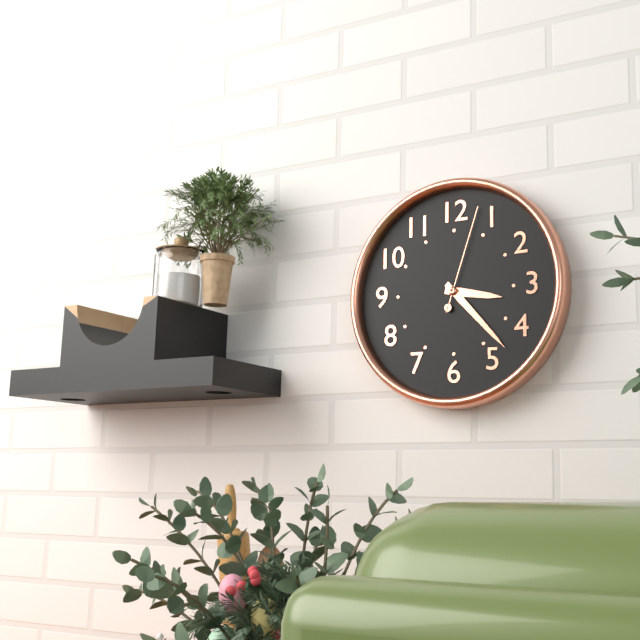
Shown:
3 h 23 min 03 s
